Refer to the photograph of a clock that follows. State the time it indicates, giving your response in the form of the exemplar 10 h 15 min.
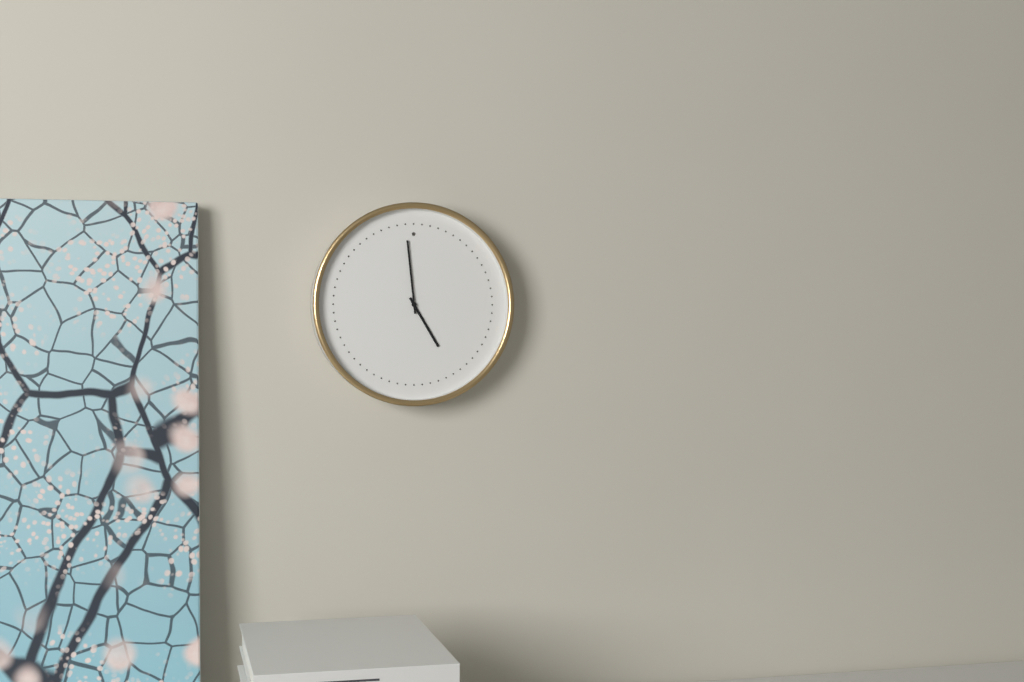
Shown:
4 h 59 min
